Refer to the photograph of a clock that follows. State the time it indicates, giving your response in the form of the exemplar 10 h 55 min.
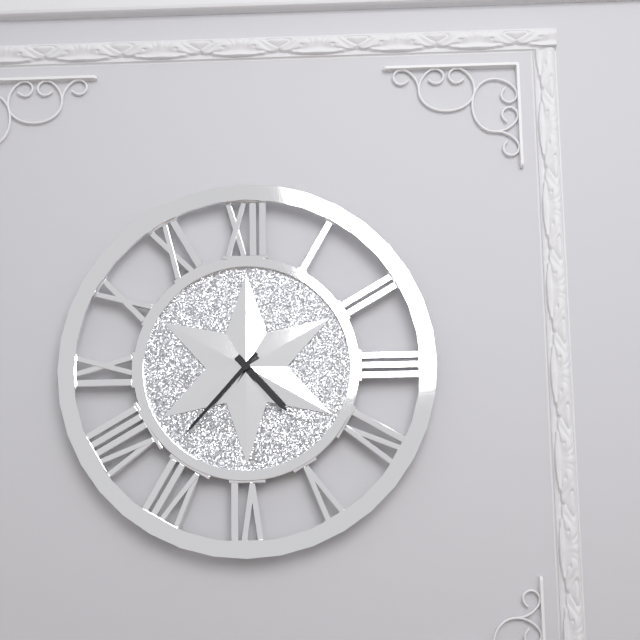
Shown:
4 h 37 min
